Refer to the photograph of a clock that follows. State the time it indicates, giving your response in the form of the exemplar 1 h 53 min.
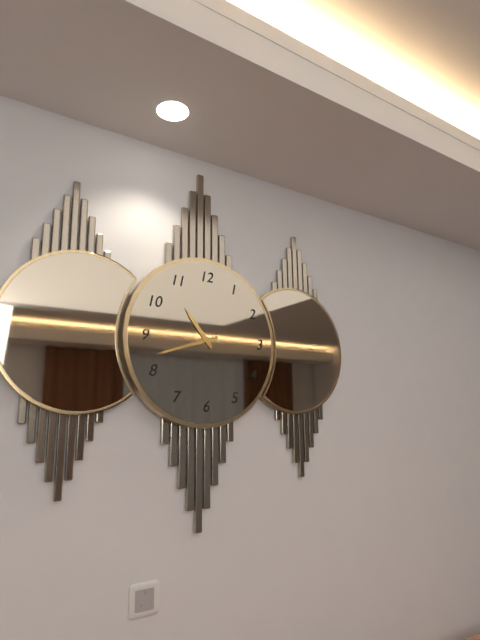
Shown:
10 h 42 min
